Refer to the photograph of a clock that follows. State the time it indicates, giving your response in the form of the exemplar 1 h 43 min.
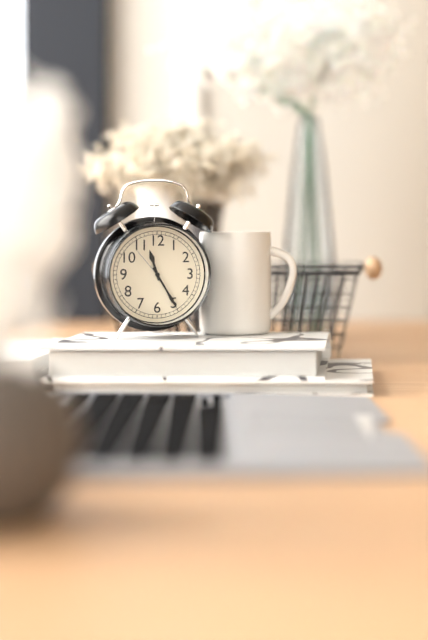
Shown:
11 h 25 min
